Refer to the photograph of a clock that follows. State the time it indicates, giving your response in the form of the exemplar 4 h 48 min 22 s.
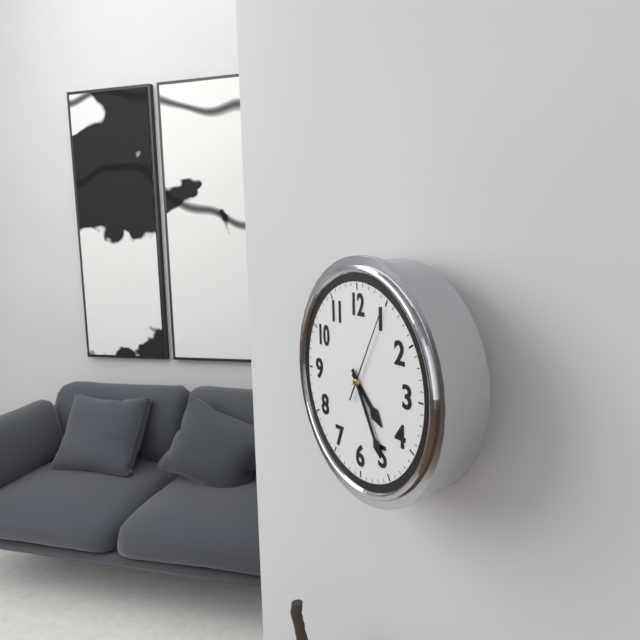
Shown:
4 h 25 min 05 s
